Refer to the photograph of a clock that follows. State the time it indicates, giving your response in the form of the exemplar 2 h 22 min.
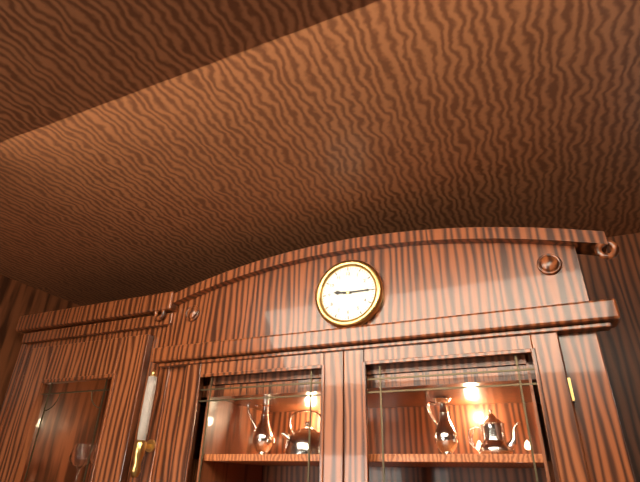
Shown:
9 h 15 min
